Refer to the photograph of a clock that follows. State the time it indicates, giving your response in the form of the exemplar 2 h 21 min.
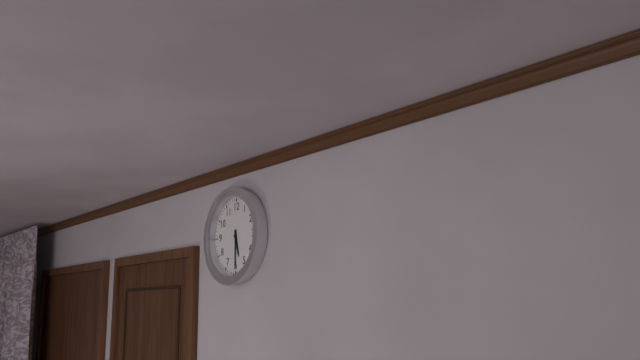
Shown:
5 h 30 min
